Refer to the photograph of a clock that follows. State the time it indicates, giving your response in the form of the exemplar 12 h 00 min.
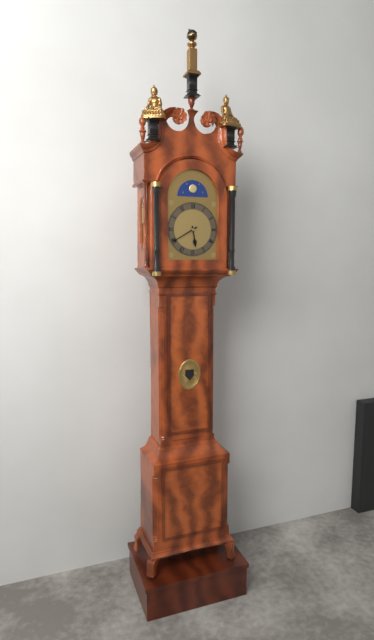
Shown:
5 h 40 min
